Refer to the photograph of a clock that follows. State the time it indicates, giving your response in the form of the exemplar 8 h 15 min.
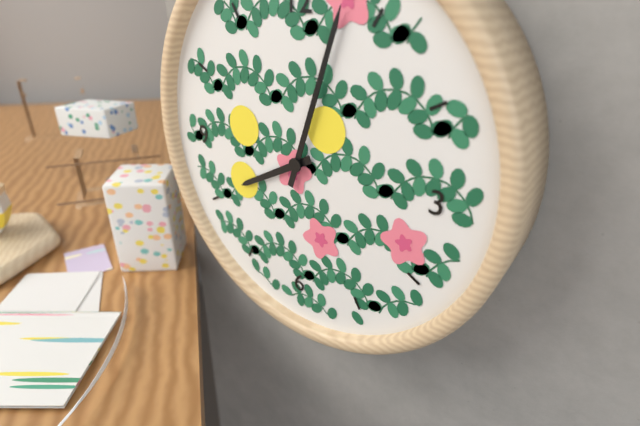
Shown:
8 h 03 min
